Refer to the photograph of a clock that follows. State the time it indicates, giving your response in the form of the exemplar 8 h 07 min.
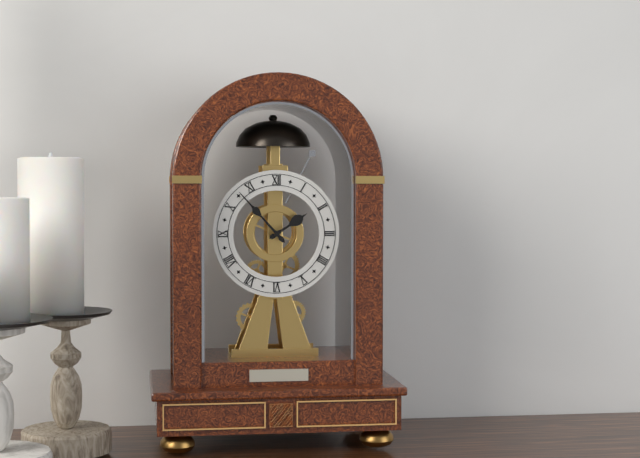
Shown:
1 h 53 min
